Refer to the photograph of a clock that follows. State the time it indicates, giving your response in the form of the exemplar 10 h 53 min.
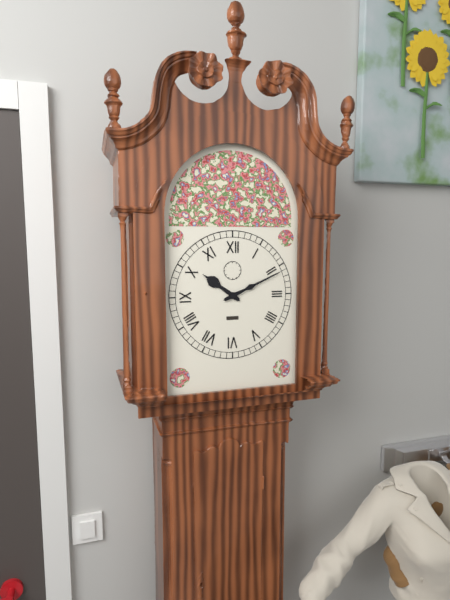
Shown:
10 h 11 min
